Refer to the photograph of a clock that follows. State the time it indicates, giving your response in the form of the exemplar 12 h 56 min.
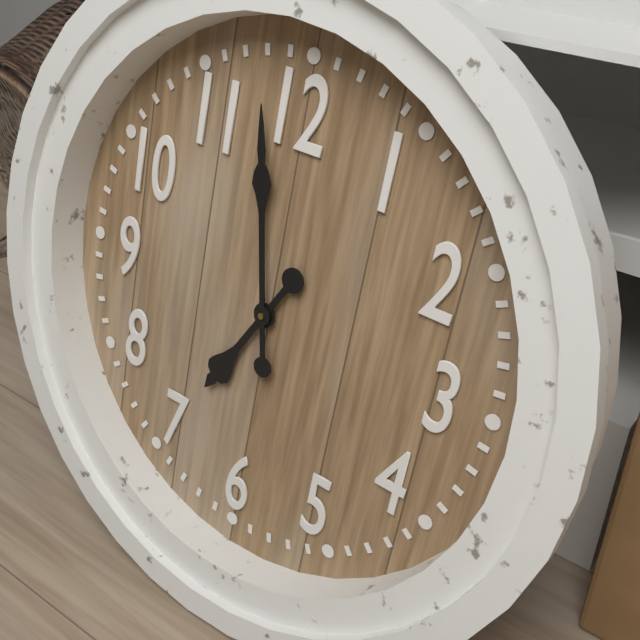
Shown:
6 h 58 min
